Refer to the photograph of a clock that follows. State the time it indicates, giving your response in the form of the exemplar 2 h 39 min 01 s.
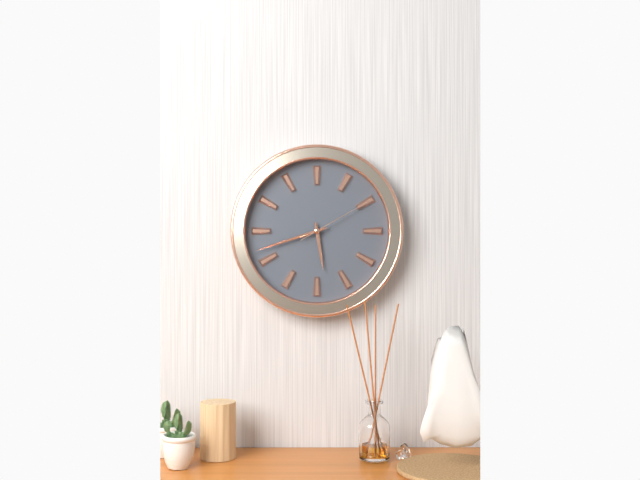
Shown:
5 h 42 min 10 s
